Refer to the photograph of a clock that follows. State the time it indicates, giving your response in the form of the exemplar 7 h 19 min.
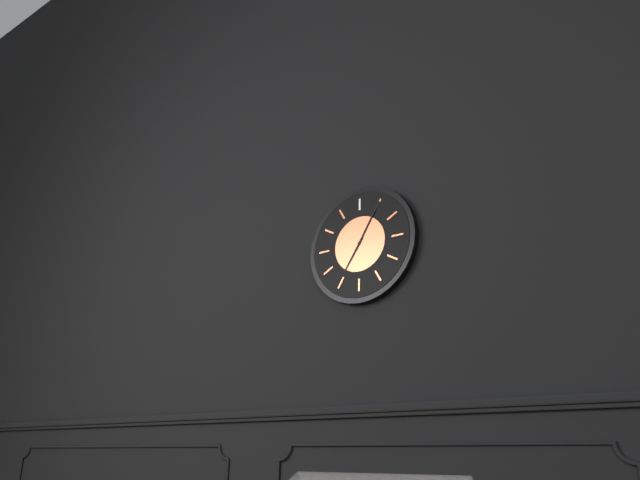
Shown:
7 h 05 min
